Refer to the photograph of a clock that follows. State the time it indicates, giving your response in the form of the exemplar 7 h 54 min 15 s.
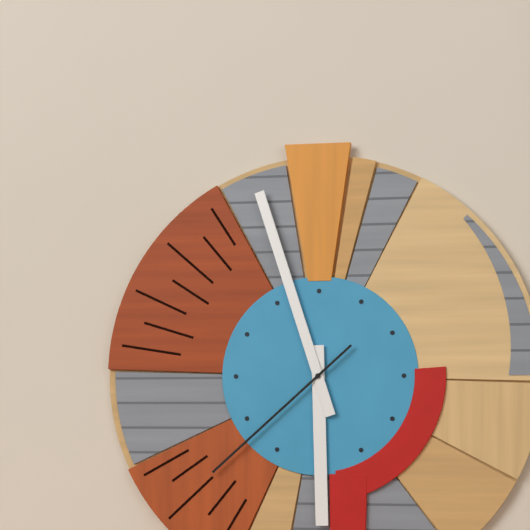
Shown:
5 h 57 min 38 s
